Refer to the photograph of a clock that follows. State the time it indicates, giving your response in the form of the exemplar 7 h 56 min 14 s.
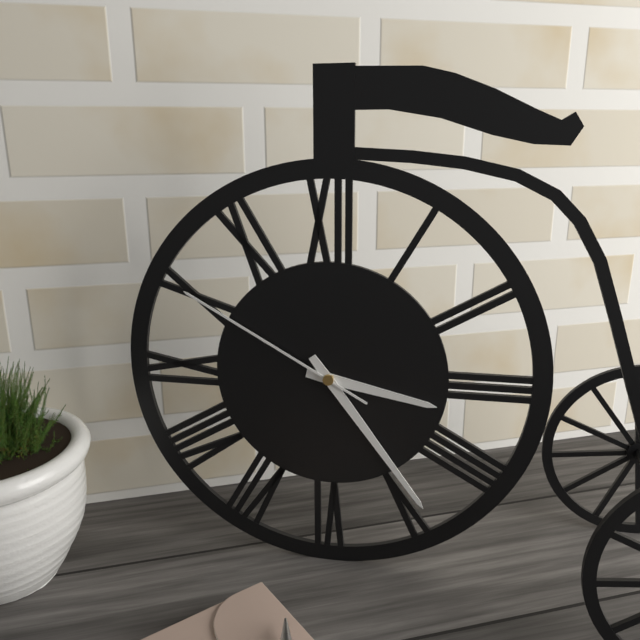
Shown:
3 h 24 min 50 s
